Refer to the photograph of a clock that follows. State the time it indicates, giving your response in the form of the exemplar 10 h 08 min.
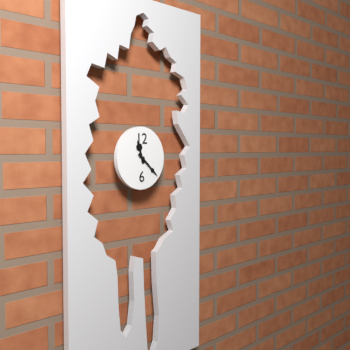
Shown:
11 h 22 min
